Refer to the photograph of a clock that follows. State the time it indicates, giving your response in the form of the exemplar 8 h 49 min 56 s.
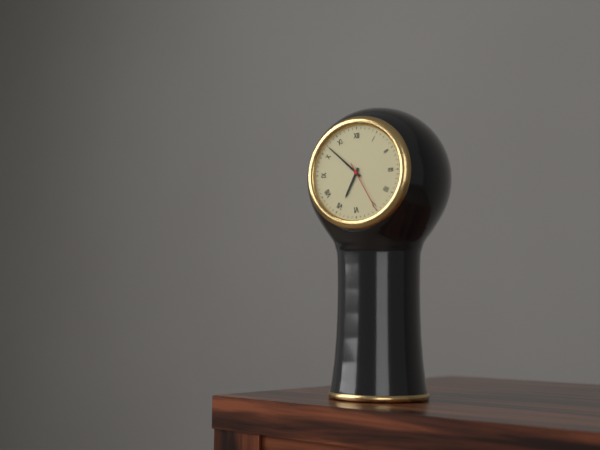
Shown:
6 h 52 min 25 s
